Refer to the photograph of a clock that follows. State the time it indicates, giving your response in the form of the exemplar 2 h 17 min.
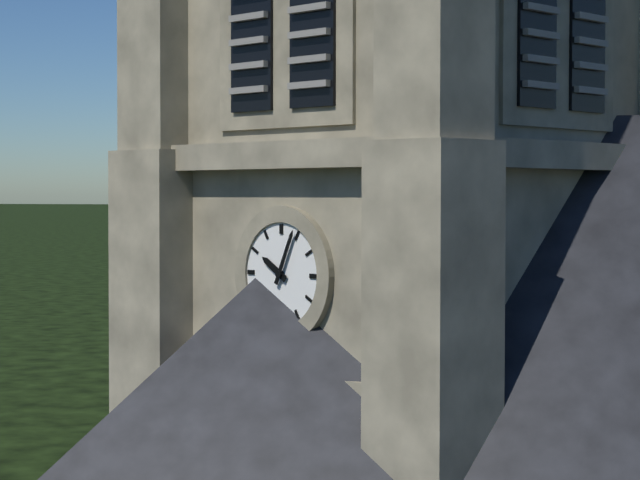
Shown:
10 h 04 min
